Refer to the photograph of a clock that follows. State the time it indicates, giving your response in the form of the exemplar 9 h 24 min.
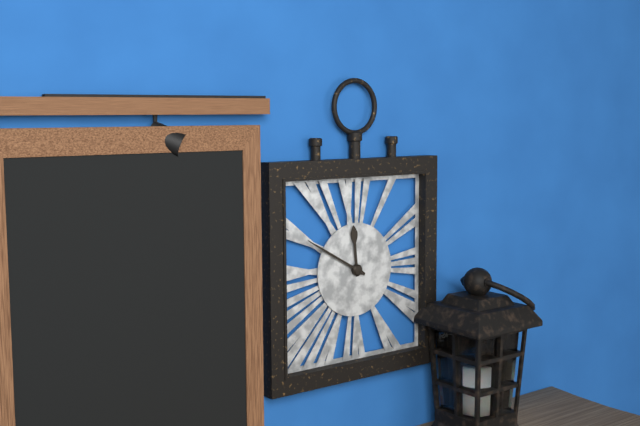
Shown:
11 h 50 min
